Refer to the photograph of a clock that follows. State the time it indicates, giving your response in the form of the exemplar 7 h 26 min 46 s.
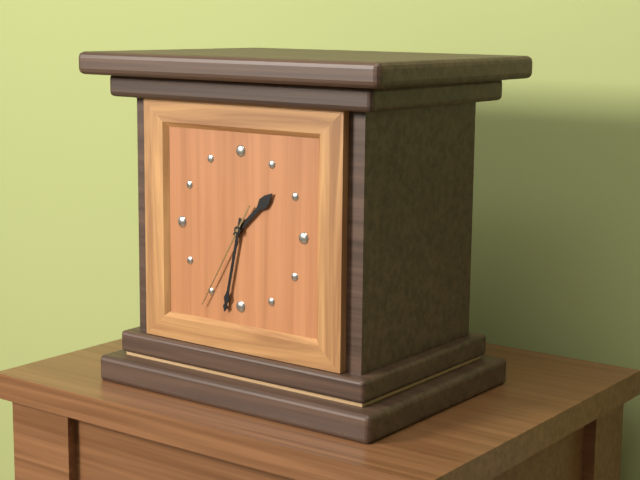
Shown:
1 h 32 min 35 s
